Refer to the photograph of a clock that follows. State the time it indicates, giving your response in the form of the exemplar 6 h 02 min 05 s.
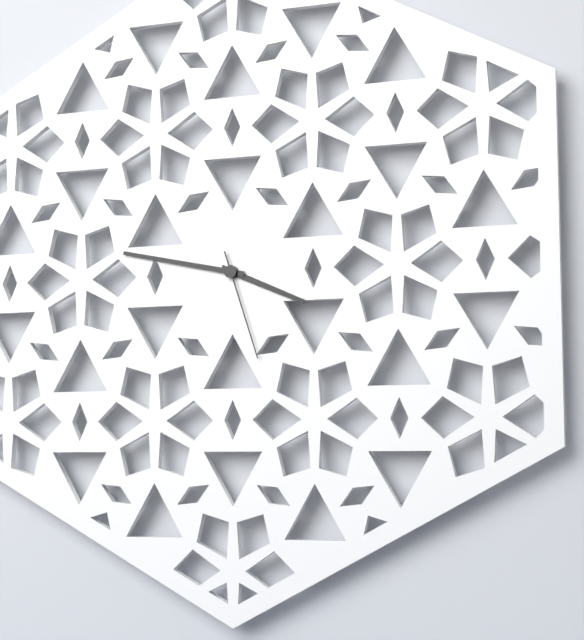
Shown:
3 h 47 min 27 s
